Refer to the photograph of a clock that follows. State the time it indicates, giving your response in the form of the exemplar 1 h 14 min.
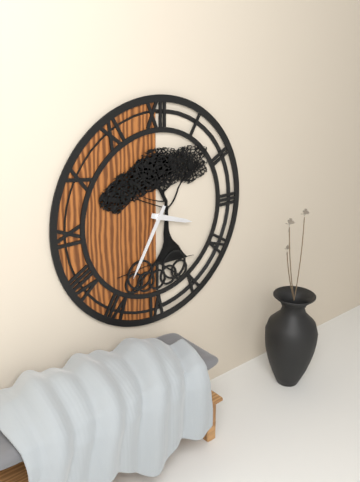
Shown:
3 h 35 min
